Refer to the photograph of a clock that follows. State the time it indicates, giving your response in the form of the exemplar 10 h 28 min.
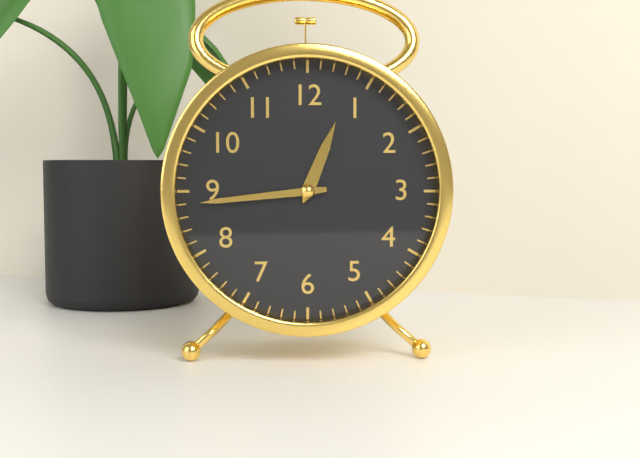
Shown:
12 h 44 min
